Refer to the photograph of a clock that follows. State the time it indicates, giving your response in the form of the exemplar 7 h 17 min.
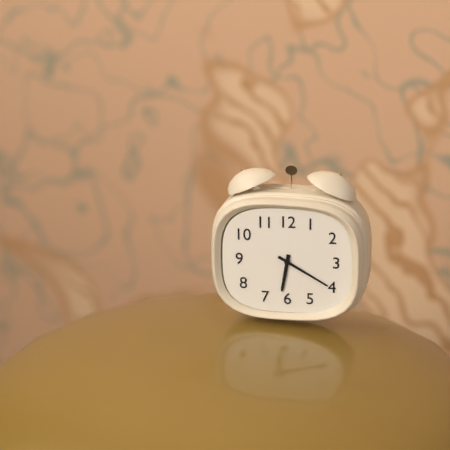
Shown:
6 h 20 min
